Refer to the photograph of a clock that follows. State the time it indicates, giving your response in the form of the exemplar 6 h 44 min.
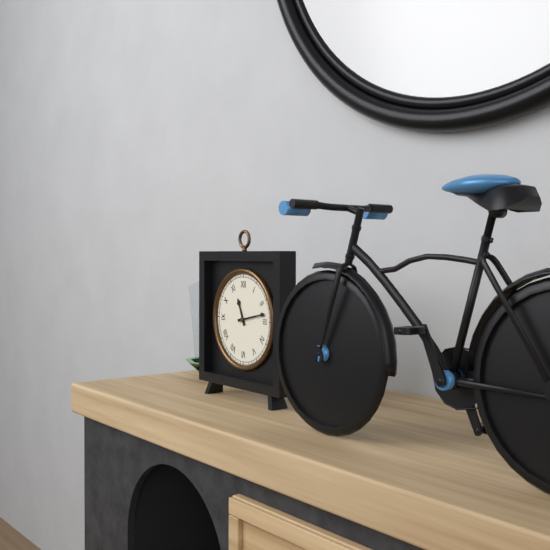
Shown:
11 h 13 min
